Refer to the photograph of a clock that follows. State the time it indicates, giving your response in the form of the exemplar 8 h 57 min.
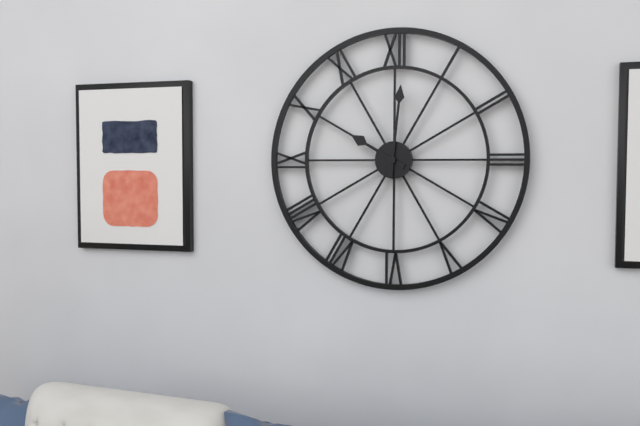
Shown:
10 h 01 min
